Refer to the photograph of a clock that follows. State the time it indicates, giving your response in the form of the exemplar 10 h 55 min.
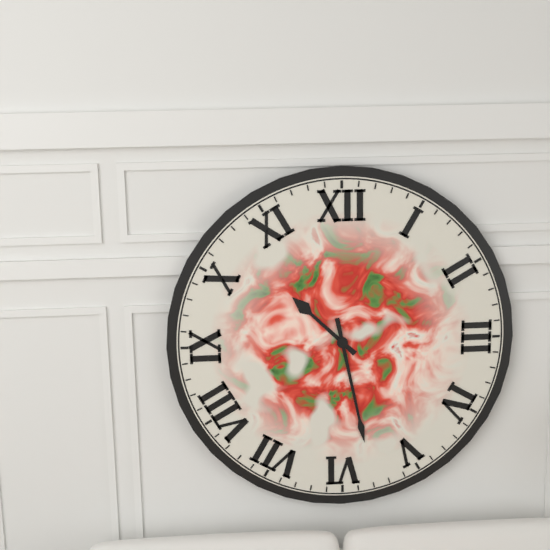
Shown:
10 h 28 min
